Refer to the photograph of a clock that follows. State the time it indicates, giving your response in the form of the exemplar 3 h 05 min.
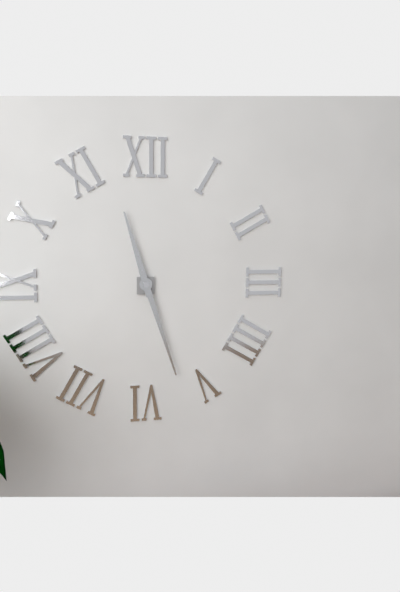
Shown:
11 h 27 min
